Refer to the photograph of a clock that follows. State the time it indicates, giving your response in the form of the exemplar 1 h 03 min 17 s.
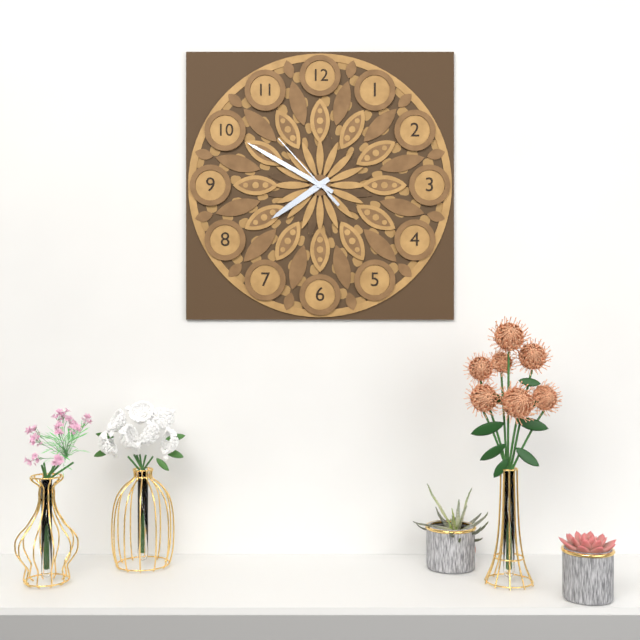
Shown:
7 h 50 min 53 s
